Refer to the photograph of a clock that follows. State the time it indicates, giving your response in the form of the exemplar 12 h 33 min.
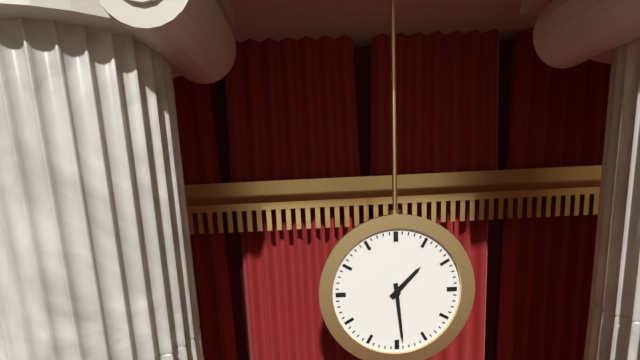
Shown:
1 h 29 min
